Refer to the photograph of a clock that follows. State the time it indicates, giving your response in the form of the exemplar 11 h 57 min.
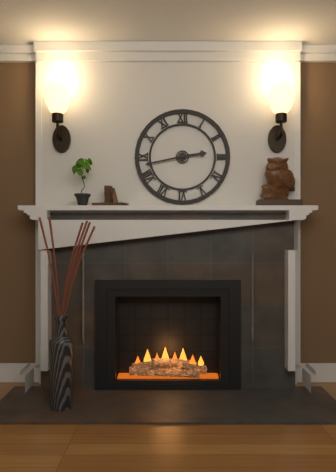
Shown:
2 h 43 min
